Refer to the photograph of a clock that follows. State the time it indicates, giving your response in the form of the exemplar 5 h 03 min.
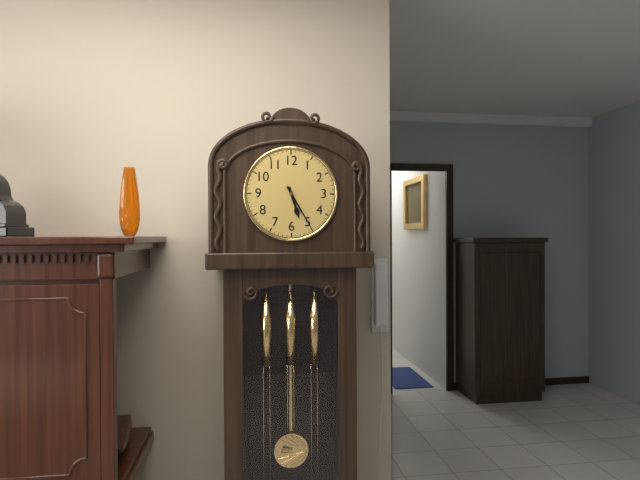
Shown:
5 h 25 min
